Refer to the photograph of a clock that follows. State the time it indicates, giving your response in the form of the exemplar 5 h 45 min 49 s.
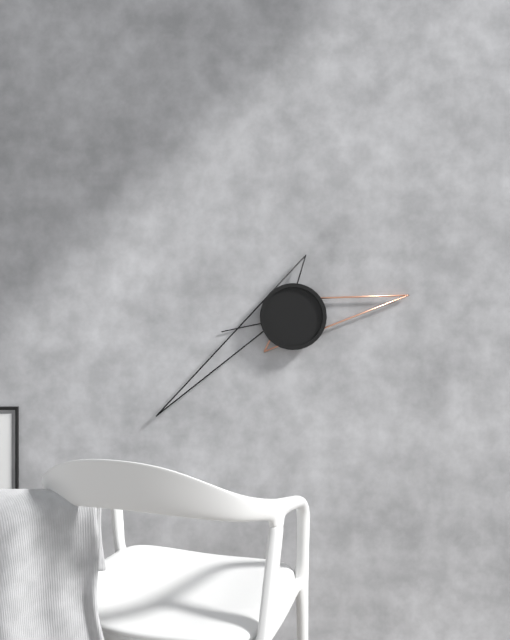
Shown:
2 h 39 min 43 s
